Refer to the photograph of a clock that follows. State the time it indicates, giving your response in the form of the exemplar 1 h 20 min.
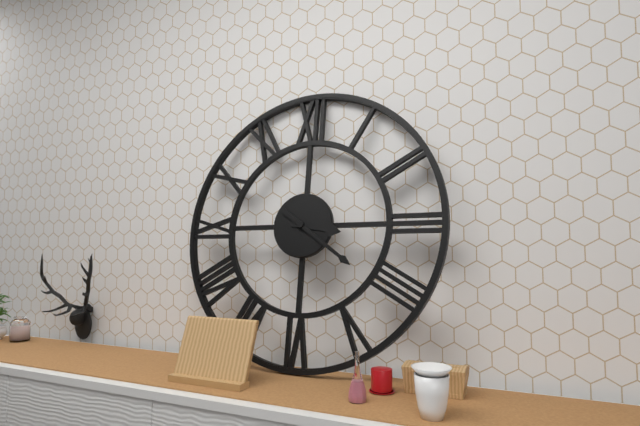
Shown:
3 h 21 min
